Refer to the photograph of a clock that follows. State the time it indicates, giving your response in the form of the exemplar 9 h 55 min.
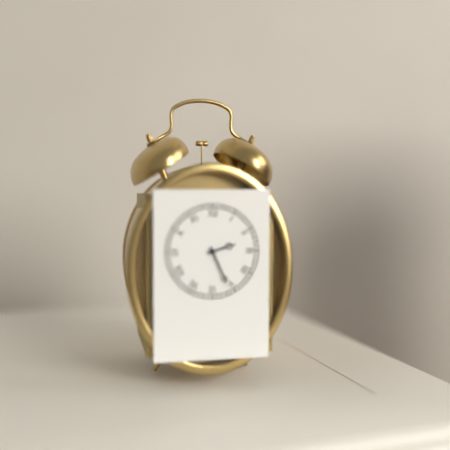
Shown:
2 h 26 min
